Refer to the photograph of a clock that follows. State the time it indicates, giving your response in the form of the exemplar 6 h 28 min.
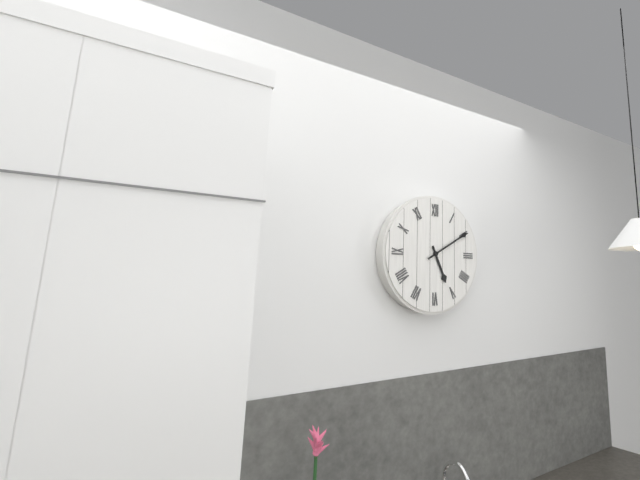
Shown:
5 h 10 min
